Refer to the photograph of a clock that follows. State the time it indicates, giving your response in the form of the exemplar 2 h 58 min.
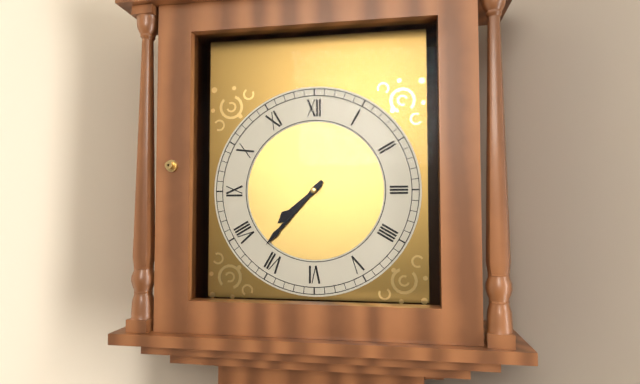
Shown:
7 h 37 min
